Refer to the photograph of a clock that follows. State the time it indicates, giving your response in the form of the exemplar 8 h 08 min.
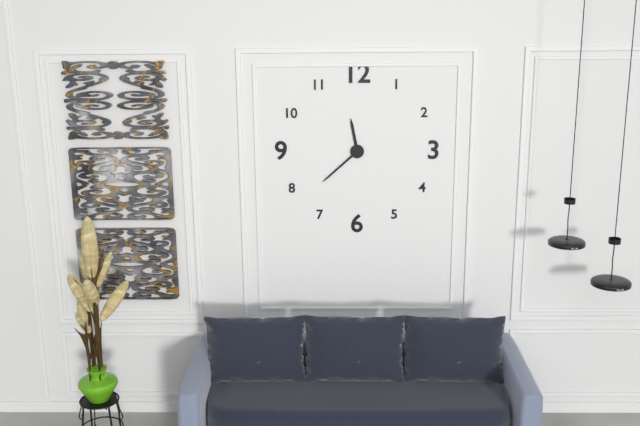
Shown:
11 h 38 min
